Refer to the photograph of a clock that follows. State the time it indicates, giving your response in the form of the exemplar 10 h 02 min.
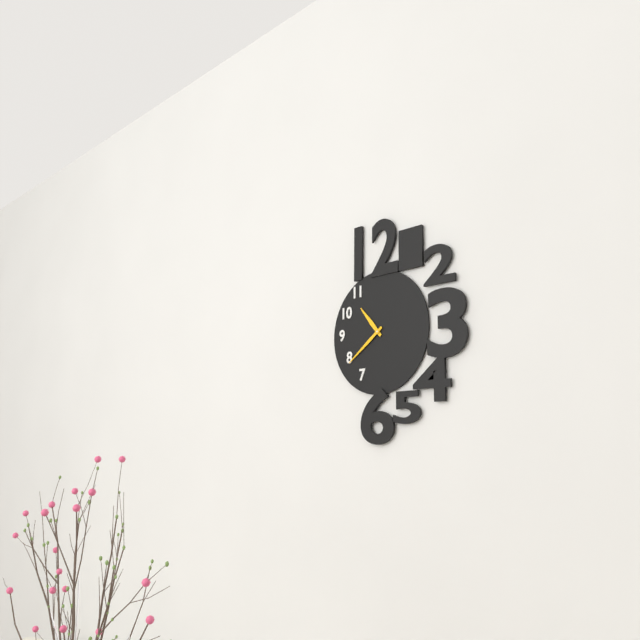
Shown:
10 h 39 min
